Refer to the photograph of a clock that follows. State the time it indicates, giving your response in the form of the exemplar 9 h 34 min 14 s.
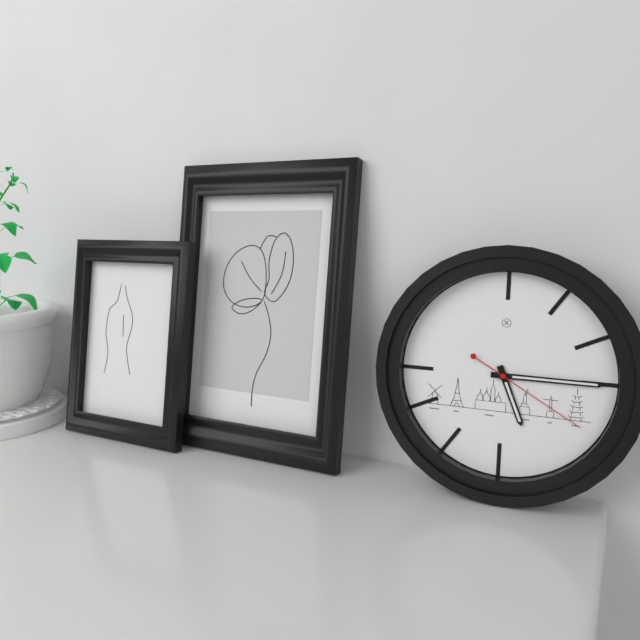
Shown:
5 h 15 min 20 s
